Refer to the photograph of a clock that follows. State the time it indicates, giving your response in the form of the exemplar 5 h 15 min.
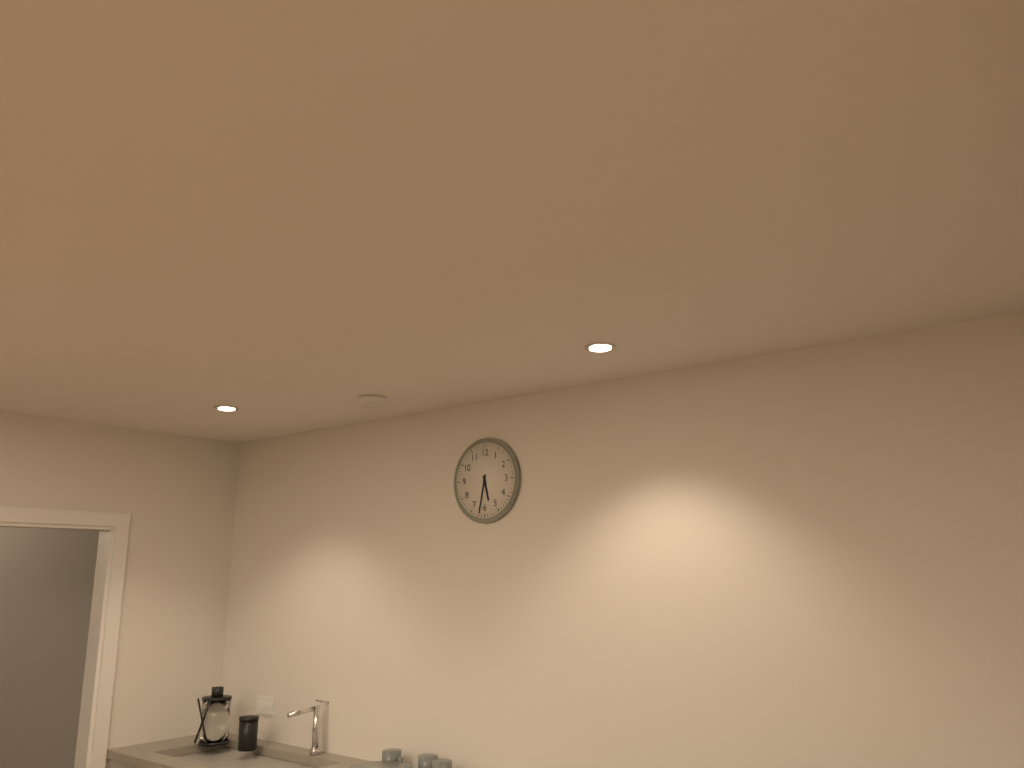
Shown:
5 h 32 min
